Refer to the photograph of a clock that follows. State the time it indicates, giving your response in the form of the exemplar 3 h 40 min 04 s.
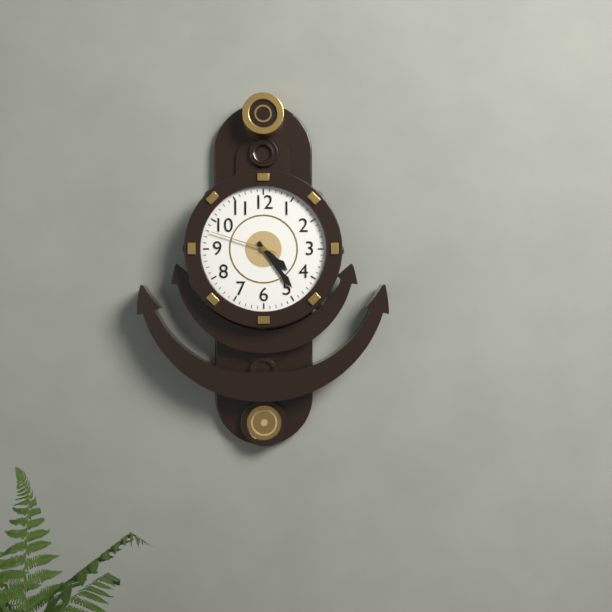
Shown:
4 h 24 min 48 s
